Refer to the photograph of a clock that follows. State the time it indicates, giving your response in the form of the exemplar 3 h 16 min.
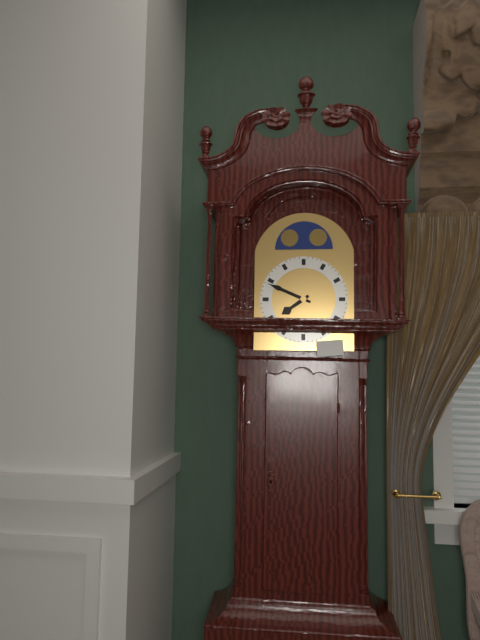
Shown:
7 h 49 min
